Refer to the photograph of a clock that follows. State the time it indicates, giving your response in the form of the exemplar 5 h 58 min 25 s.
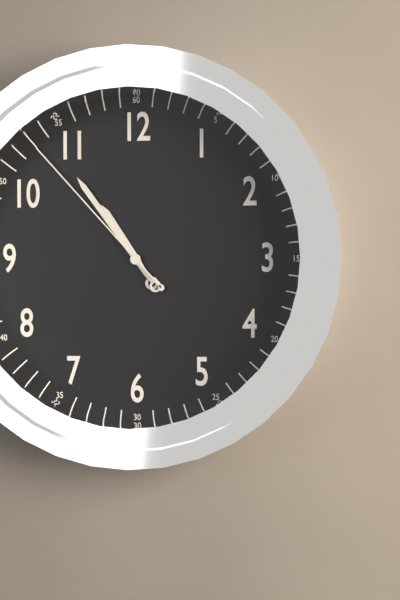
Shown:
10 h 54 min 53 s
